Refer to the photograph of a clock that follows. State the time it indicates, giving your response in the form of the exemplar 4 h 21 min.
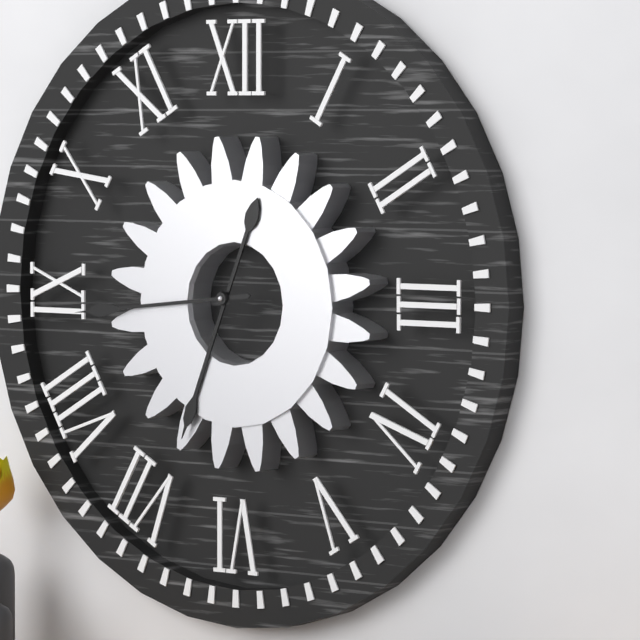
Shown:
6 h 44 min
